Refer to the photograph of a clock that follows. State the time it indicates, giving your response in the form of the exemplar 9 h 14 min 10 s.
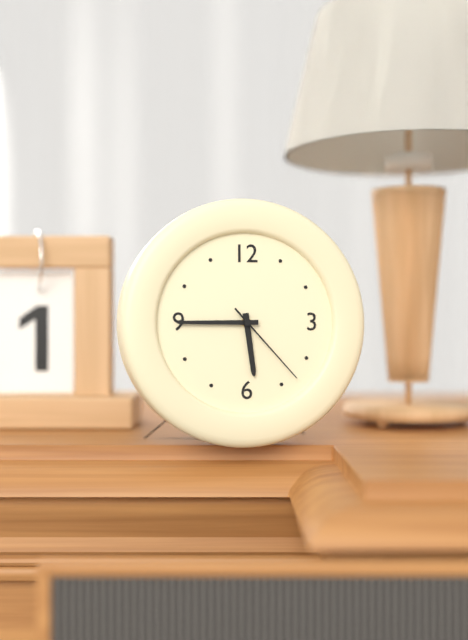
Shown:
5 h 45 min 23 s
